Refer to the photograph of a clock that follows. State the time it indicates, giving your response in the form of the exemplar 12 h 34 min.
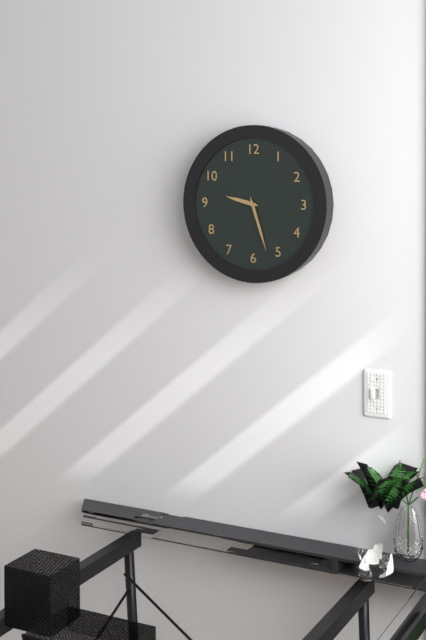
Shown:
9 h 27 min
